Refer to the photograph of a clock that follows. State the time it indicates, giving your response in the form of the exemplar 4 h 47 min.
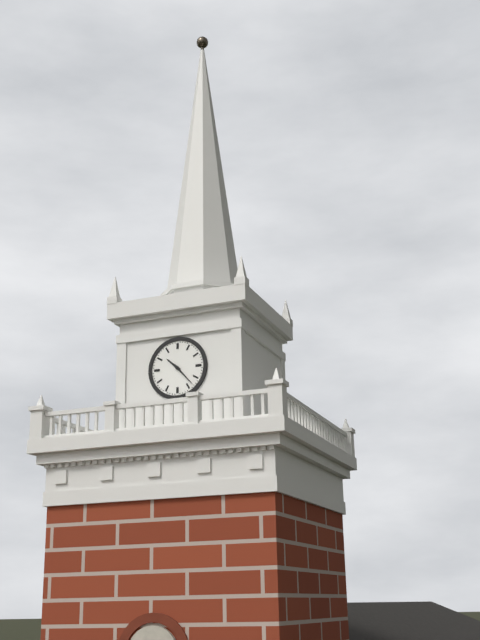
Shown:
10 h 23 min
